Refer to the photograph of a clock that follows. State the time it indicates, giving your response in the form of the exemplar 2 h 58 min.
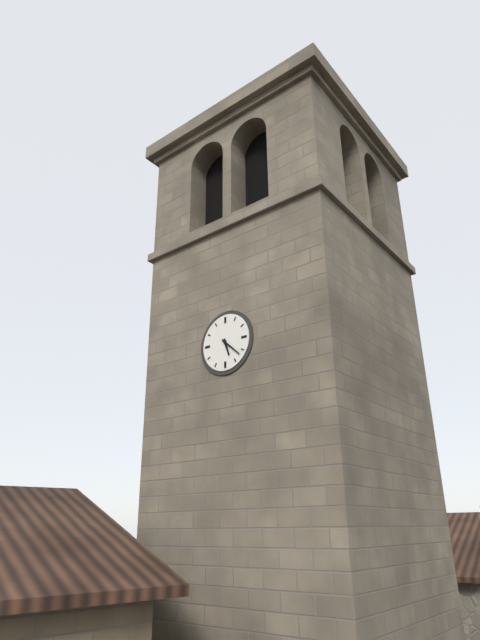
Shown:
5 h 22 min
